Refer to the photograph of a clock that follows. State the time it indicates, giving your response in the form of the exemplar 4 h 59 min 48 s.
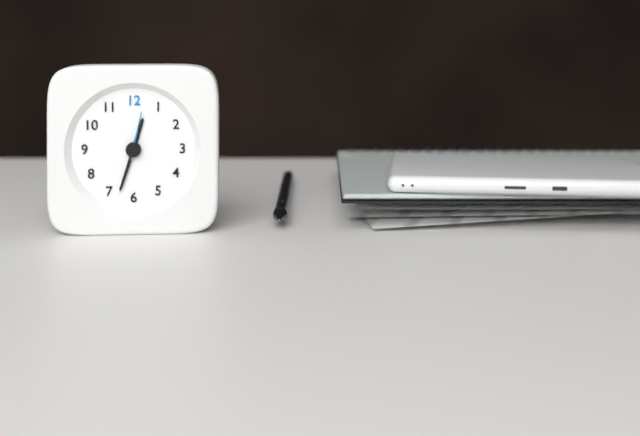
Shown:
12 h 33 min 02 s
